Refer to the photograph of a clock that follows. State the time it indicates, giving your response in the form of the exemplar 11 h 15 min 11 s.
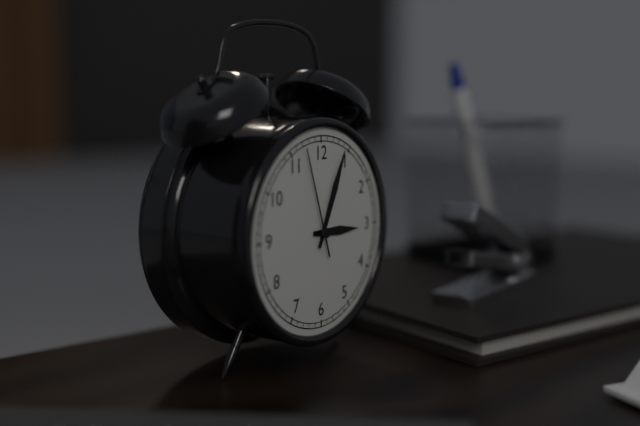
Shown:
3 h 04 min 57 s
